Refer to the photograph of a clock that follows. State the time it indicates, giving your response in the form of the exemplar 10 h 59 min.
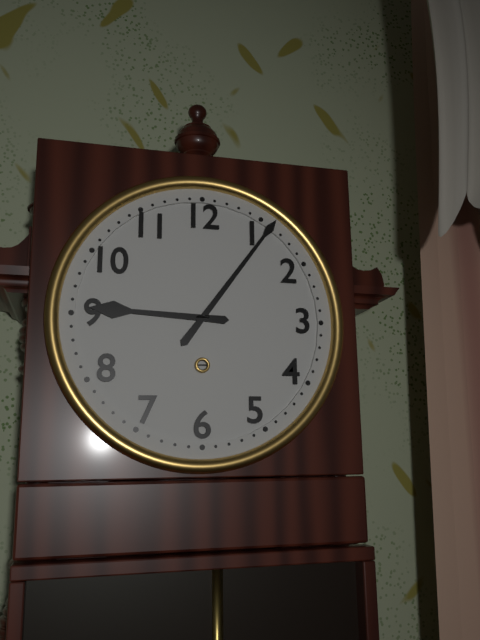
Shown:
9 h 06 min
